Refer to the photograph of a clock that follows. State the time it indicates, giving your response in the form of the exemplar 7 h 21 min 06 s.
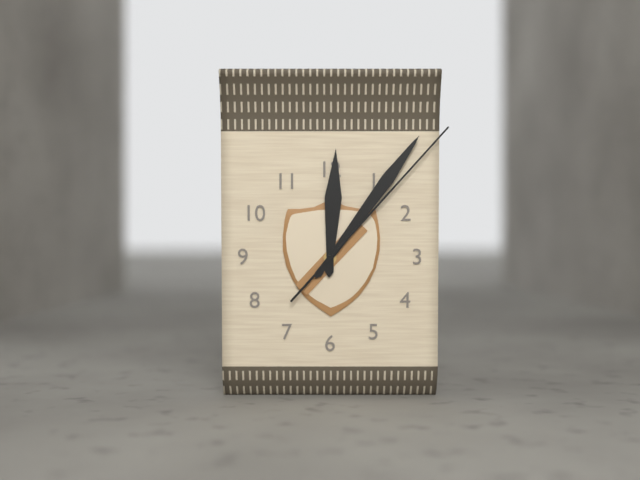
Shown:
12 h 06 min 07 s
